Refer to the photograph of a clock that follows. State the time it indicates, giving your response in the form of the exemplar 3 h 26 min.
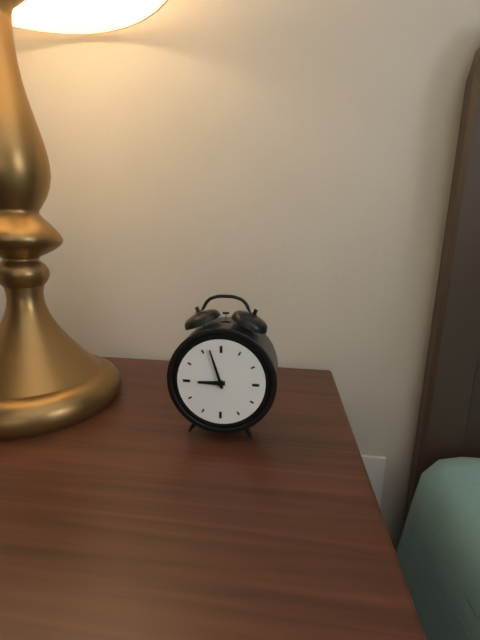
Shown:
8 h 57 min
